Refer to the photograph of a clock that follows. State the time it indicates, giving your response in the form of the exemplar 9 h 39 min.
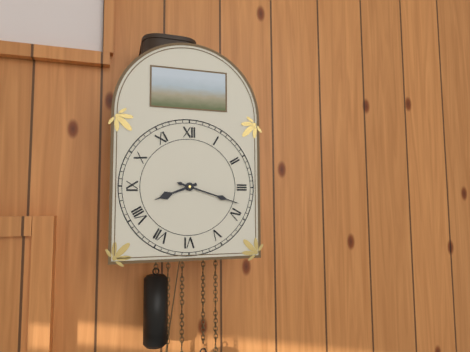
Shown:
8 h 18 min
